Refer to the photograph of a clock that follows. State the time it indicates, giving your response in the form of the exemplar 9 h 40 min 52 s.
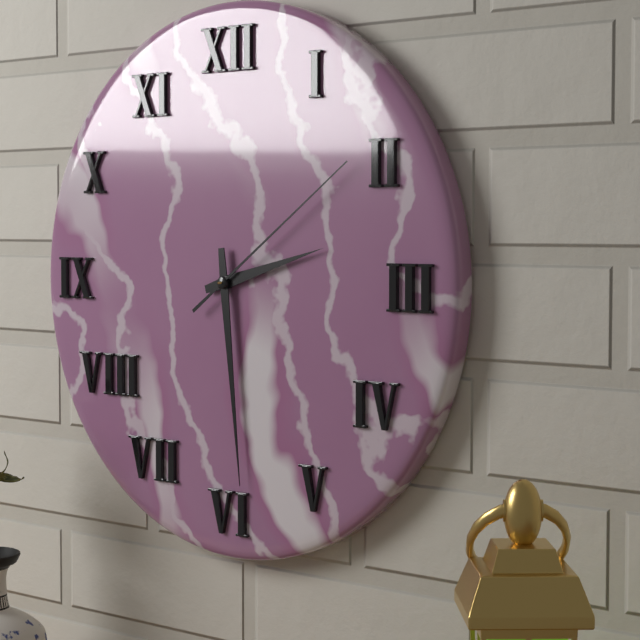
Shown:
2 h 29 min 09 s
